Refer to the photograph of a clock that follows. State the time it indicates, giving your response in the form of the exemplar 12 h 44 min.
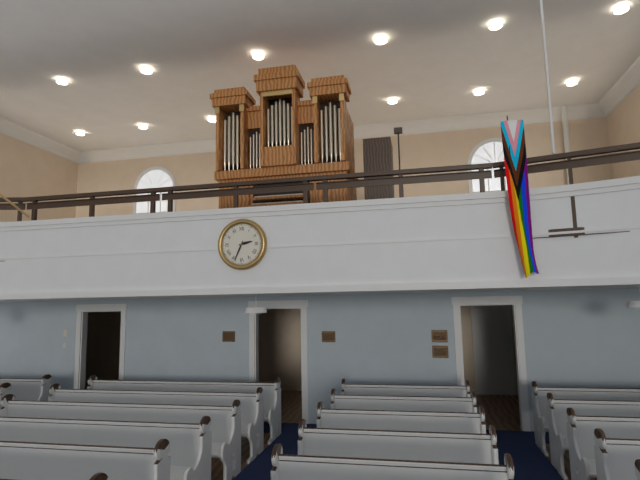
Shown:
2 h 34 min
